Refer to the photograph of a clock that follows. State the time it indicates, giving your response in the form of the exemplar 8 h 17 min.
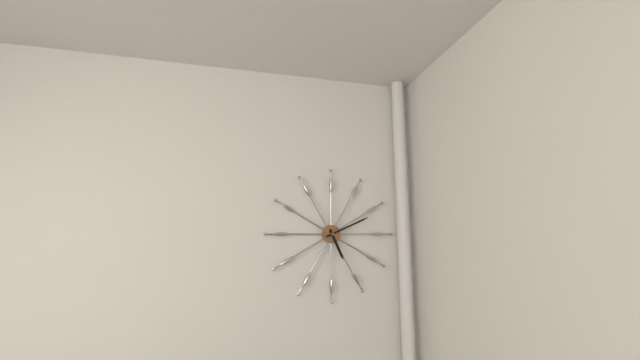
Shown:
5 h 11 min
